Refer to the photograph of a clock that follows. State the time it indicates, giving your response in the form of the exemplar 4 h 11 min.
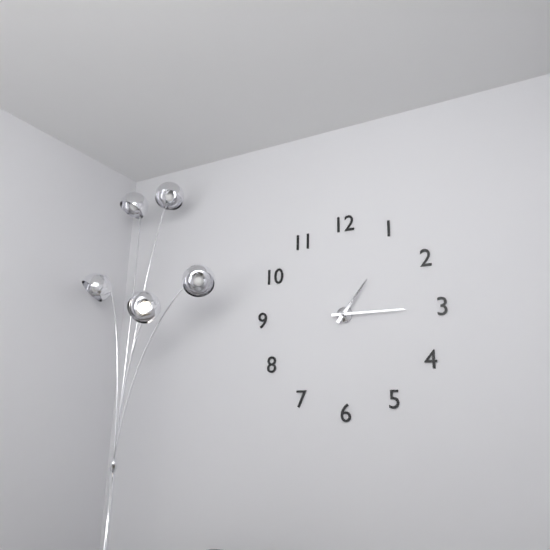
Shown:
1 h 15 min
